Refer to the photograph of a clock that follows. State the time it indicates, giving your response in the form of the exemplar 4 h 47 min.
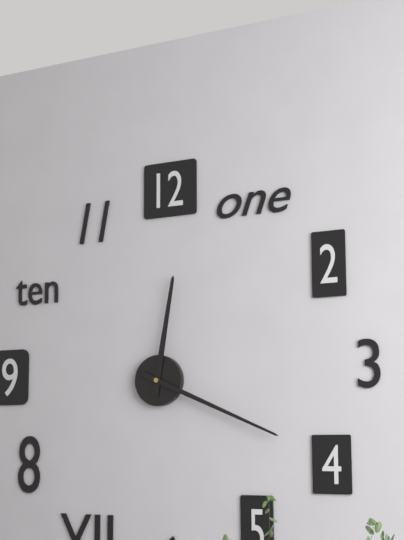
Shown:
12 h 19 min
